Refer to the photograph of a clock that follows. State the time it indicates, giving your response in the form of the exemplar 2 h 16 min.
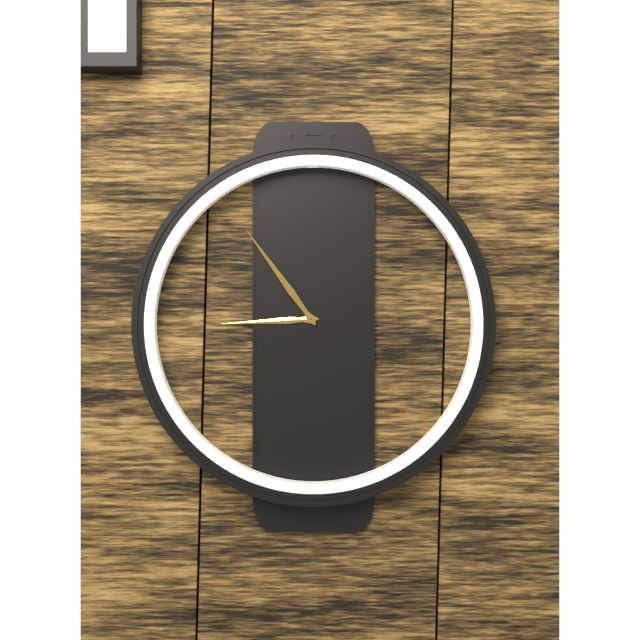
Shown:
8 h 54 min
